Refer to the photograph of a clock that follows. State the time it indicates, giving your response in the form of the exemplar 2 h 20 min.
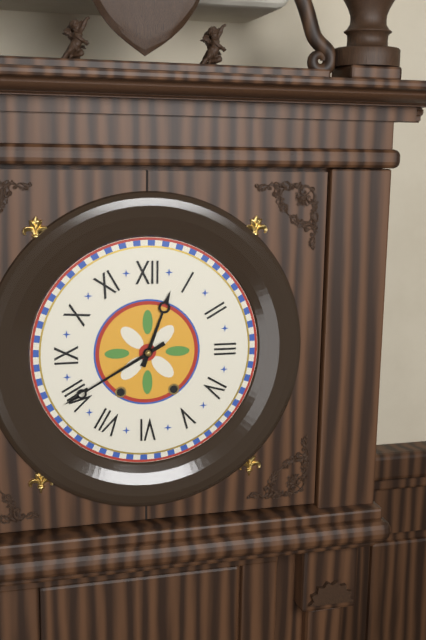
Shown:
12 h 40 min
